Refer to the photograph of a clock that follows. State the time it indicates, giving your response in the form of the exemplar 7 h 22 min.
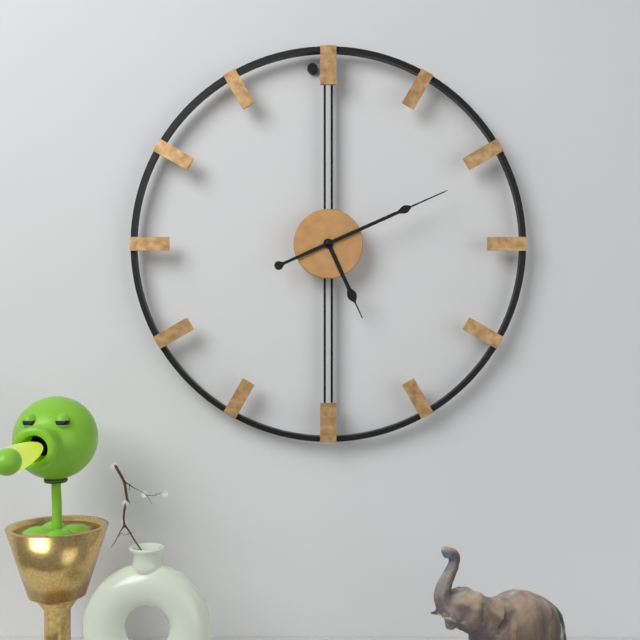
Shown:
5 h 11 min
